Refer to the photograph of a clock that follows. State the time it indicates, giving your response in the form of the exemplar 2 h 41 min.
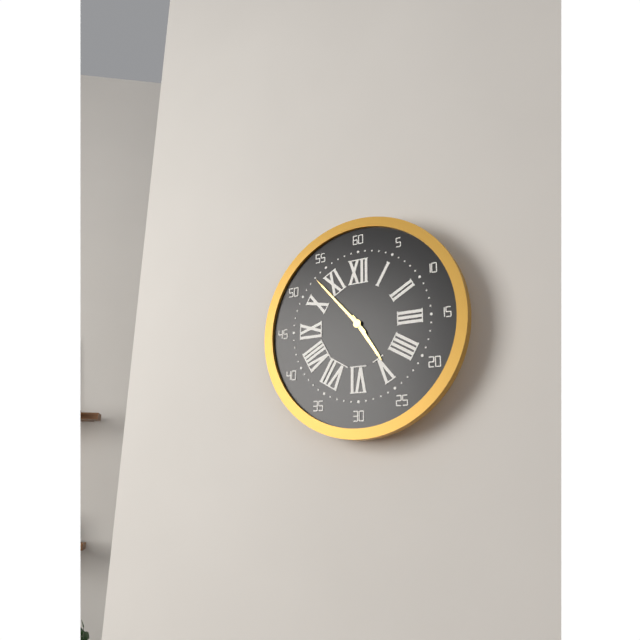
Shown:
4 h 53 min
